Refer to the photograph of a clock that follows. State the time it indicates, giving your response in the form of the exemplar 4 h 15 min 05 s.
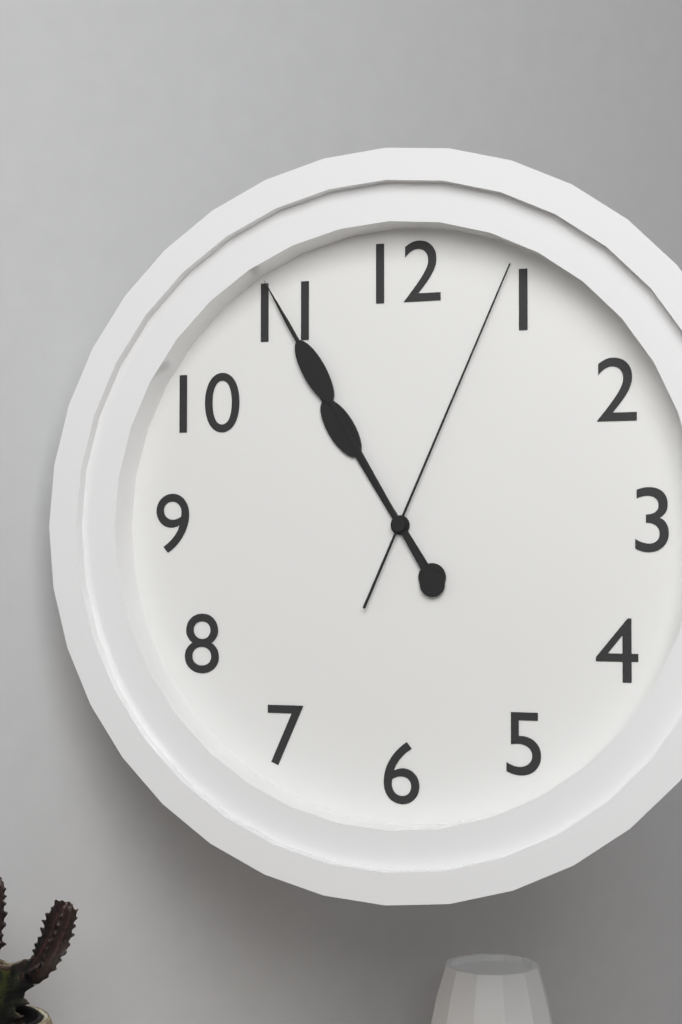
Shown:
10 h 55 min 04 s
